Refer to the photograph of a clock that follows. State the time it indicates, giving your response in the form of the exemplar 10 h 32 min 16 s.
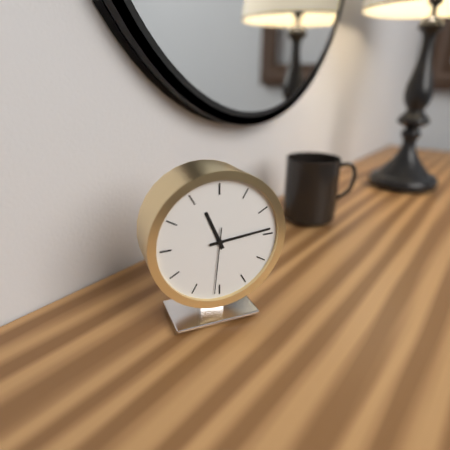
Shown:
11 h 14 min 31 s
